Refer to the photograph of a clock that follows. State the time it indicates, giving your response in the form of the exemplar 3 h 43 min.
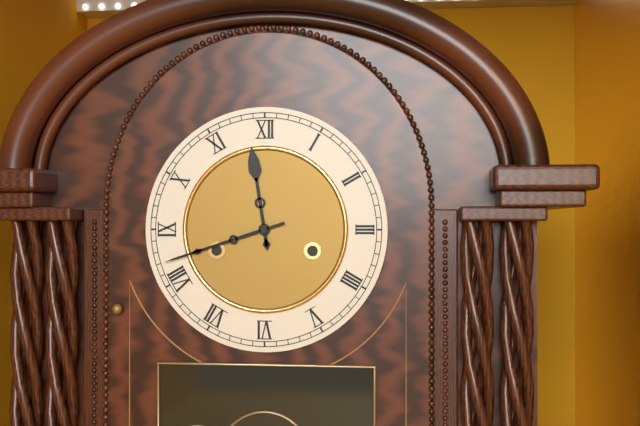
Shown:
11 h 42 min
